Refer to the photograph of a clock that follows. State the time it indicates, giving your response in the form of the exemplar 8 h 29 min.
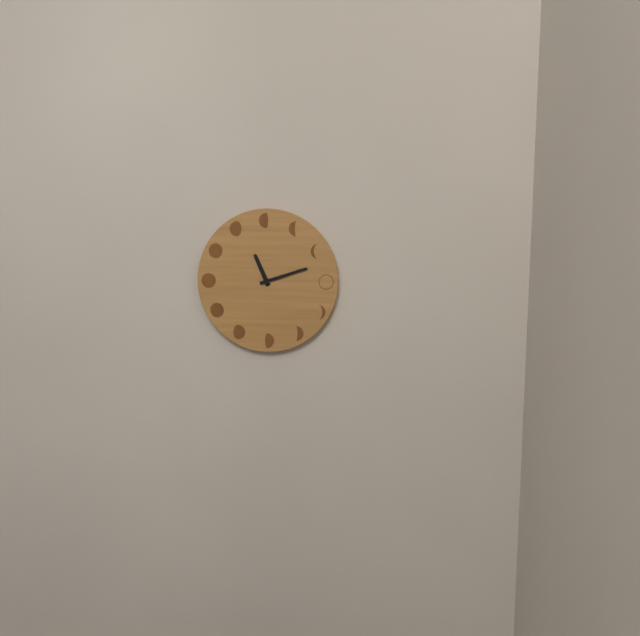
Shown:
11 h 12 min
